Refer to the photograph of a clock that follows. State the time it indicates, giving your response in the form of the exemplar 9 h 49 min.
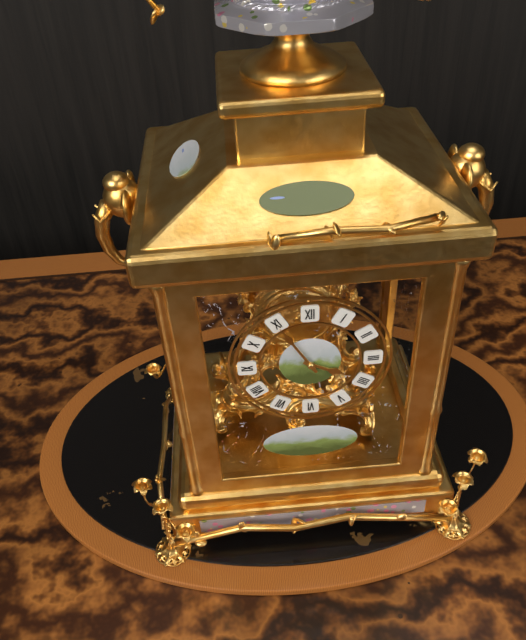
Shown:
3 h 55 min
